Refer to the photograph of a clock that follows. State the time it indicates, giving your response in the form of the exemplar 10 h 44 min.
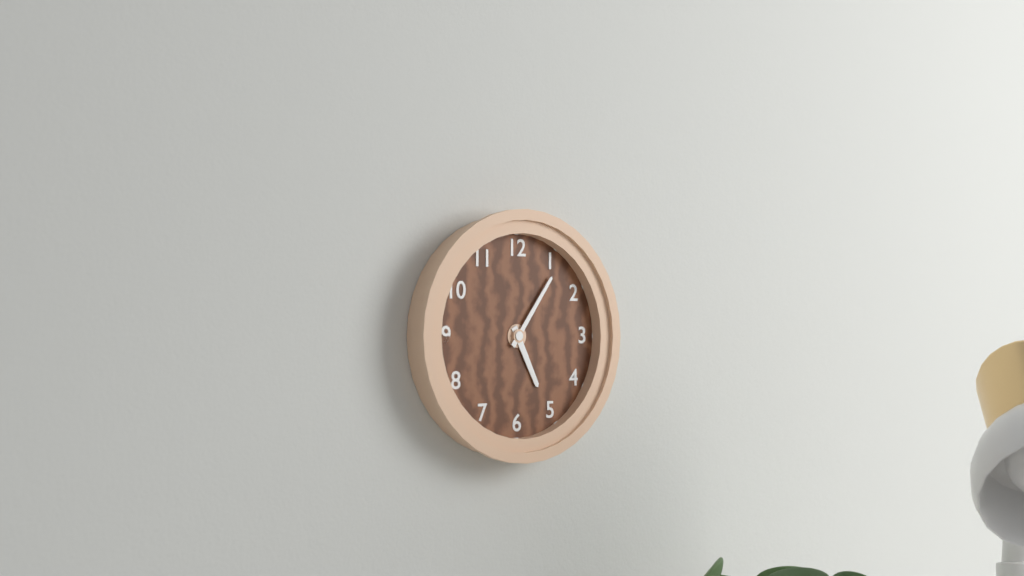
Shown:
5 h 06 min
